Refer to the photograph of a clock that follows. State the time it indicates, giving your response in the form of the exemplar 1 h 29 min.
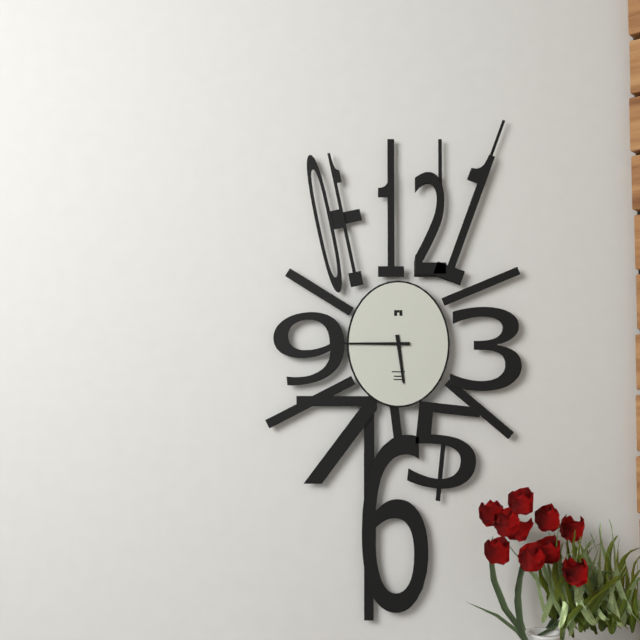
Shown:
5 h 45 min
